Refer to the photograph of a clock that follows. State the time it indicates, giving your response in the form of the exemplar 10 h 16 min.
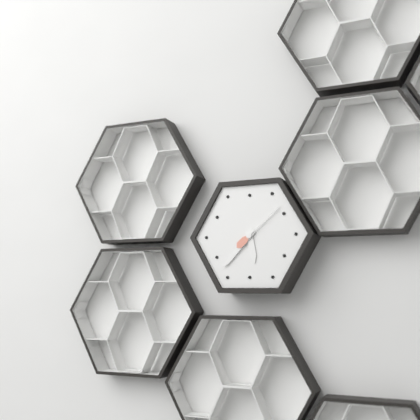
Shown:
5 h 37 min
